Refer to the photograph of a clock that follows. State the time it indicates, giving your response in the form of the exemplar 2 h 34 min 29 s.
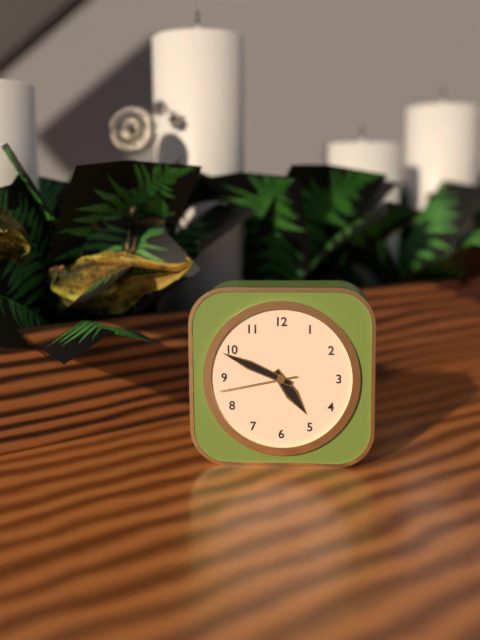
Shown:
4 h 49 min 43 s
